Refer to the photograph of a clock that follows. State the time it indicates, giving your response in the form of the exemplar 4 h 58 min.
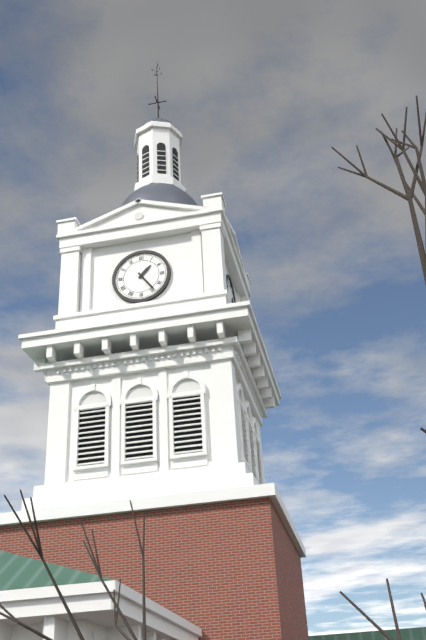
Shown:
1 h 24 min
